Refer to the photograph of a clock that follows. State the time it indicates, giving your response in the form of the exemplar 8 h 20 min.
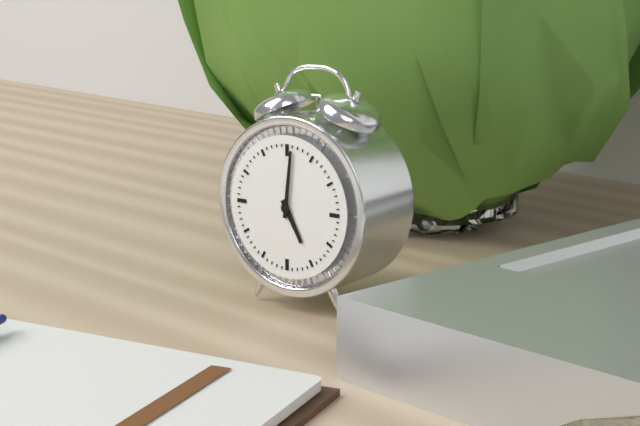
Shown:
5 h 01 min
